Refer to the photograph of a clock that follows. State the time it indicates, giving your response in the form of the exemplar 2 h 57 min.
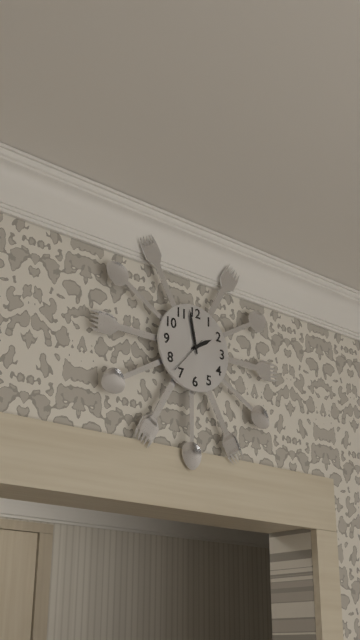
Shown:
1 h 58 min
